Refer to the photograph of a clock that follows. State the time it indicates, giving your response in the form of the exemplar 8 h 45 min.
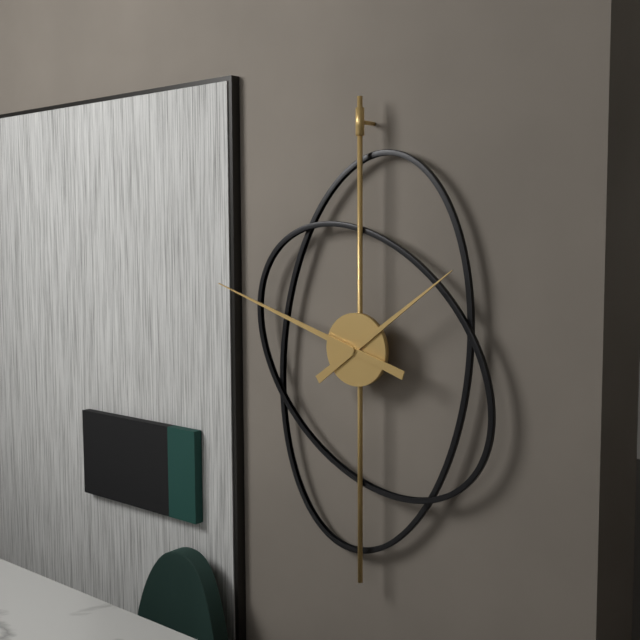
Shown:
1 h 48 min
